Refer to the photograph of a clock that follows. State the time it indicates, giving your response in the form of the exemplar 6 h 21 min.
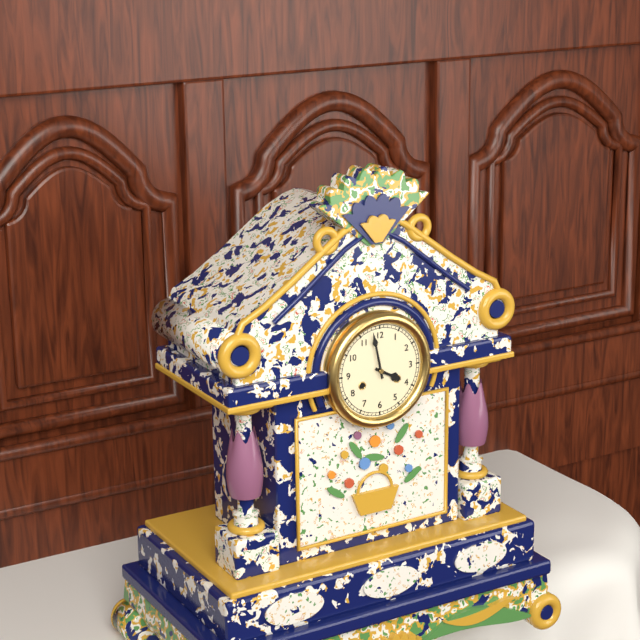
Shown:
3 h 58 min
